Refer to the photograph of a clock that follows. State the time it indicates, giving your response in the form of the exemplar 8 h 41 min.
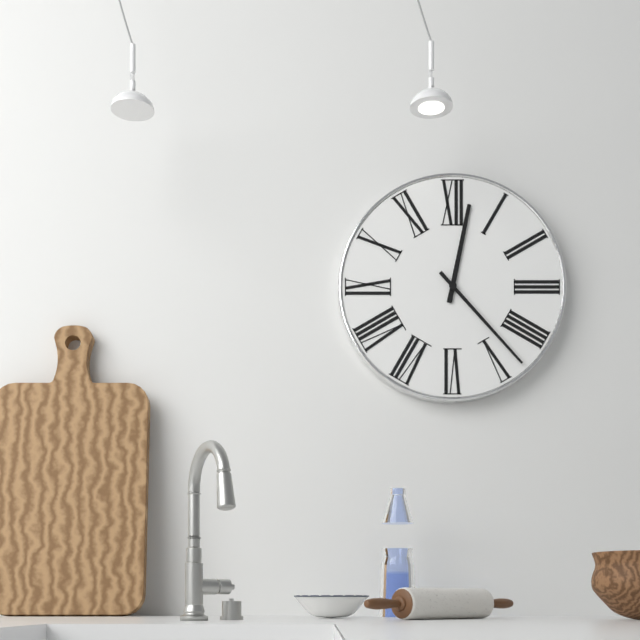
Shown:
12 h 23 min
